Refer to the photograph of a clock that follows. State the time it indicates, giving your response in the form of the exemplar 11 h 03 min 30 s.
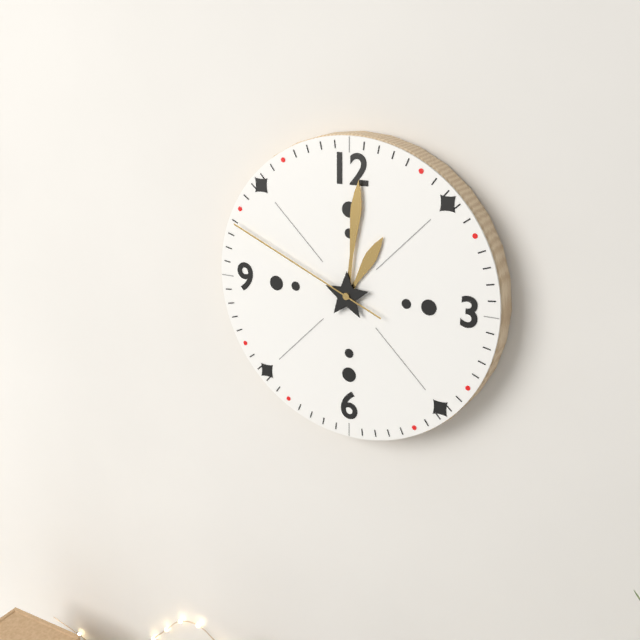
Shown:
1 h 01 min 49 s
